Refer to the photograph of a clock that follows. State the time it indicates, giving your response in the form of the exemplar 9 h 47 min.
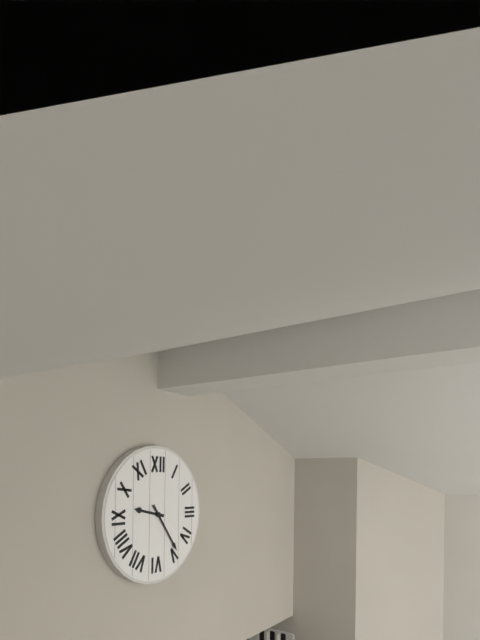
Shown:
9 h 24 min
